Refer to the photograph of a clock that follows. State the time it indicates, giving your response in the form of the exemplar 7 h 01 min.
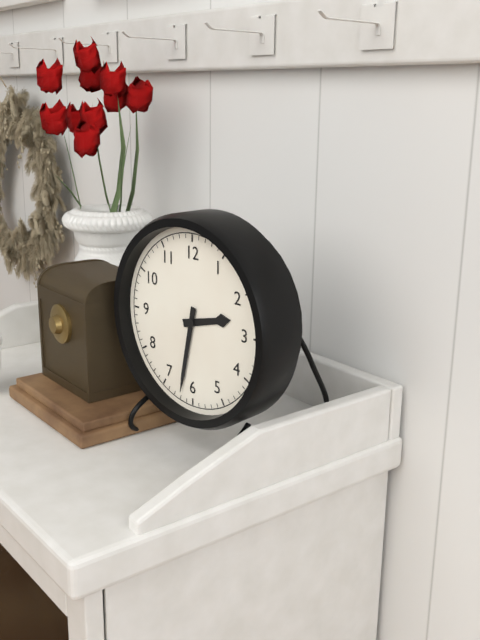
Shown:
2 h 32 min
